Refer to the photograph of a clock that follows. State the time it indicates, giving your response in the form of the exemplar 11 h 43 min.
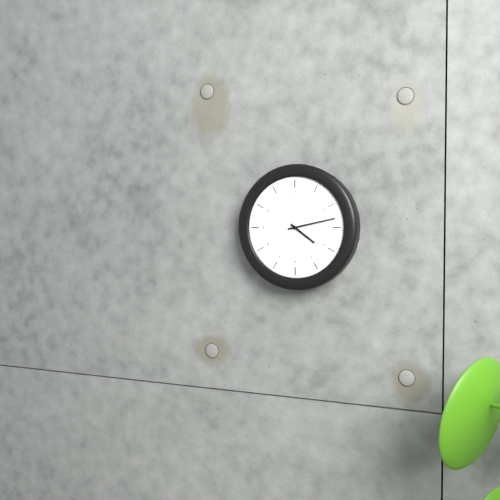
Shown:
4 h 13 min
